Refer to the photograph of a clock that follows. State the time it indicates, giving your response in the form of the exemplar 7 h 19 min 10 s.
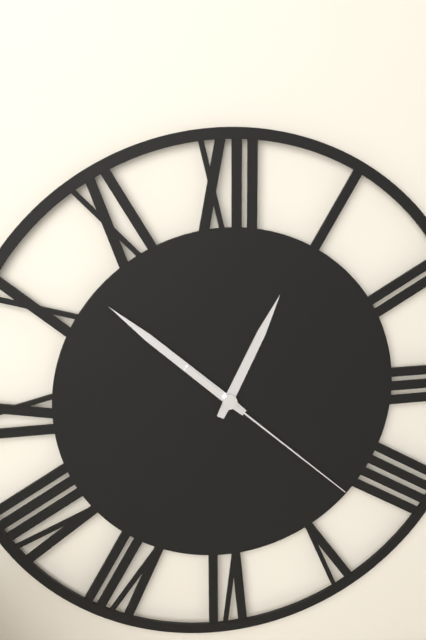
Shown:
12 h 52 min 22 s
